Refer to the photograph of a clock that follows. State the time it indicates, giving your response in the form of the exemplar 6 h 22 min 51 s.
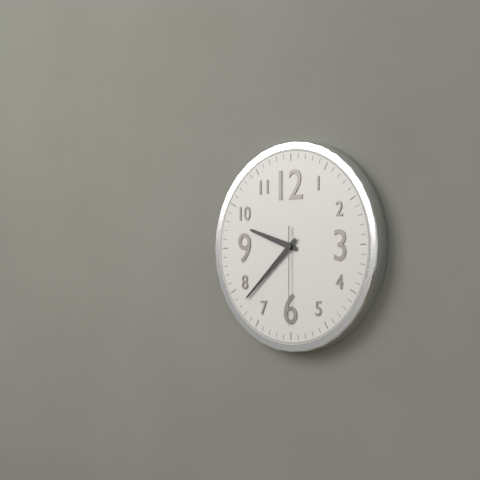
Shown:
9 h 38 min 30 s
